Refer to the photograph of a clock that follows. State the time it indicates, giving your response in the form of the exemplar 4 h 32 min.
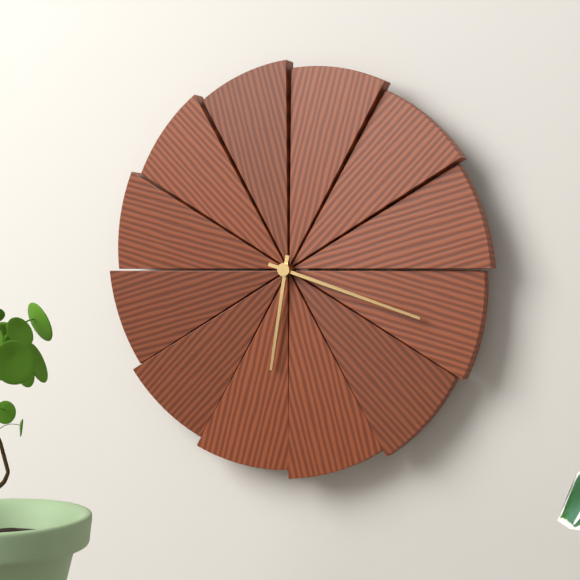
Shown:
6 h 18 min
